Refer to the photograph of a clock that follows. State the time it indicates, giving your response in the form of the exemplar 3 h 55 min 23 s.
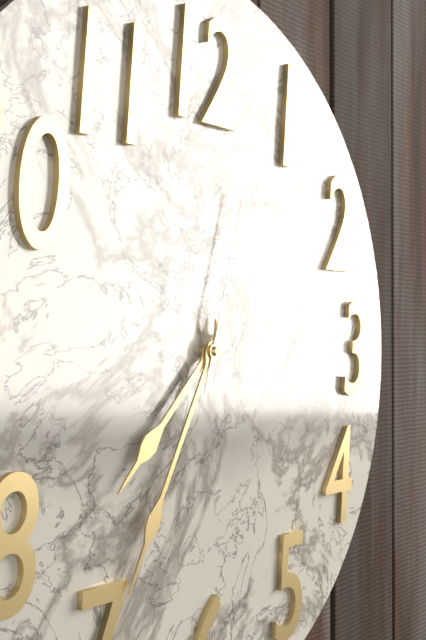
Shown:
7 h 35 min 03 s
